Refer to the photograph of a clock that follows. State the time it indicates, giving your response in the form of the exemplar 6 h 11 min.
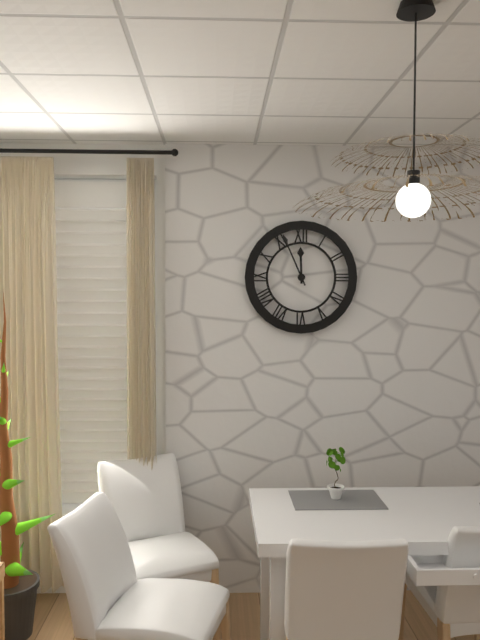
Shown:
11 h 56 min
